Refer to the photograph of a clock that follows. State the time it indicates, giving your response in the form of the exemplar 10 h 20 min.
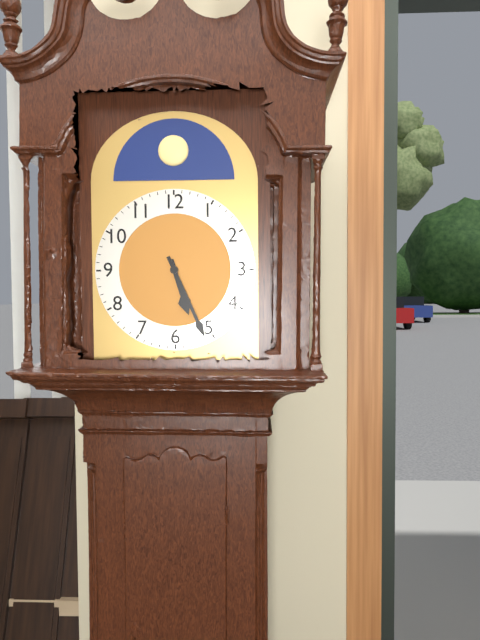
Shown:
5 h 26 min
